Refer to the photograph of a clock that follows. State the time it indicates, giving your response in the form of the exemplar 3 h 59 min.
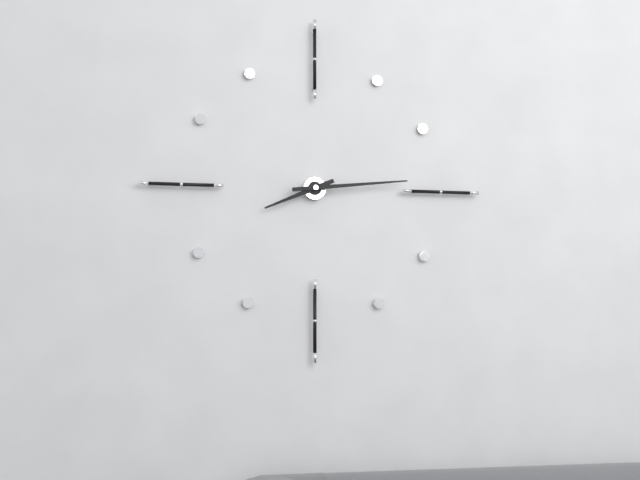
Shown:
8 h 14 min
